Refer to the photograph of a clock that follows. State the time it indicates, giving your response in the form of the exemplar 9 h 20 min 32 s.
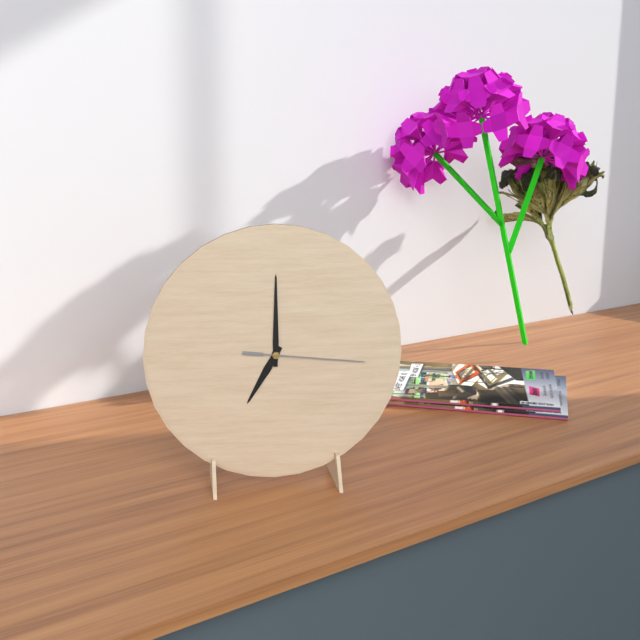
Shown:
7 h 00 min 16 s
